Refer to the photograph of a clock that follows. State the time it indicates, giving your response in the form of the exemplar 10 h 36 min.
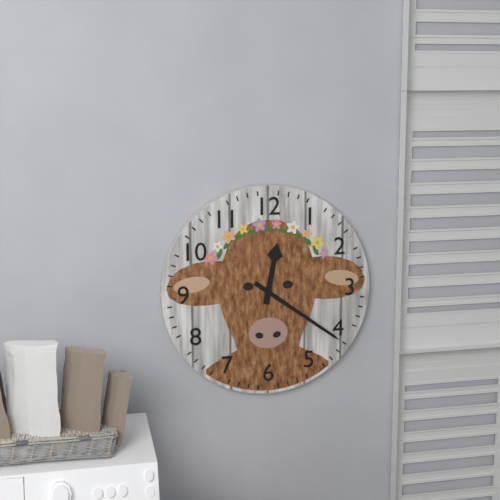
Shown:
12 h 21 min
